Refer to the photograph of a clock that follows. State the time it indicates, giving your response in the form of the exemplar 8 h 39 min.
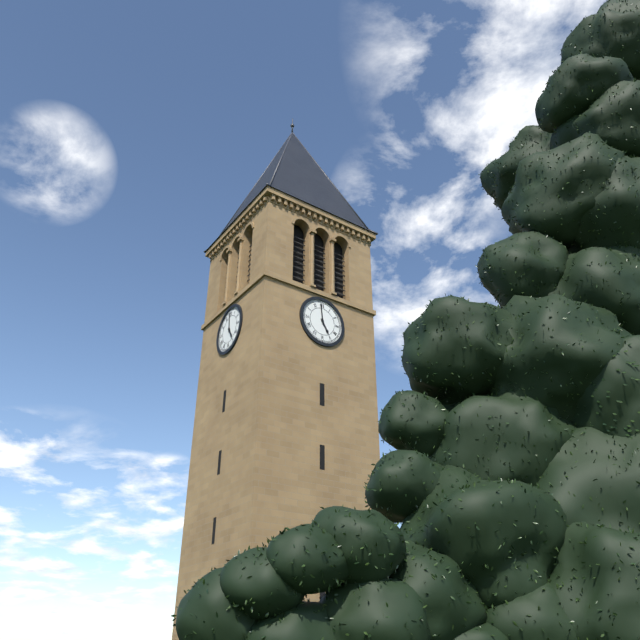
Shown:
4 h 59 min
